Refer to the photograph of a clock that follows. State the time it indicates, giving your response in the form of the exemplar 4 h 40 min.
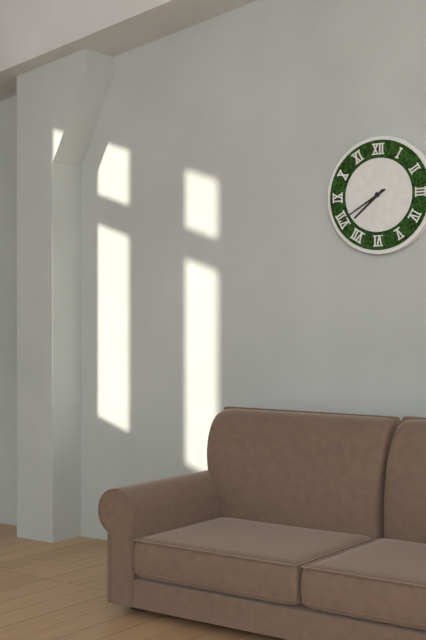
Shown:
7 h 40 min
